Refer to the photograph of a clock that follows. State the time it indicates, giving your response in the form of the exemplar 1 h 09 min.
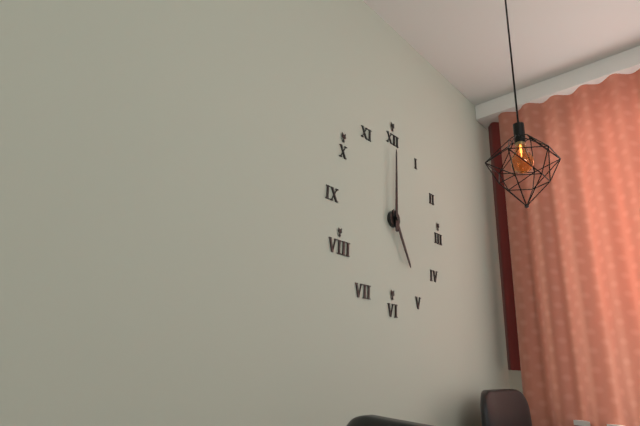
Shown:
5 h 00 min
